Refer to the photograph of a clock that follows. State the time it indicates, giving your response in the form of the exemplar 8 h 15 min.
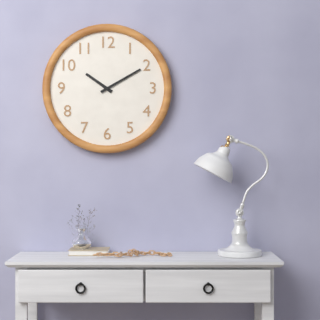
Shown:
10 h 10 min
